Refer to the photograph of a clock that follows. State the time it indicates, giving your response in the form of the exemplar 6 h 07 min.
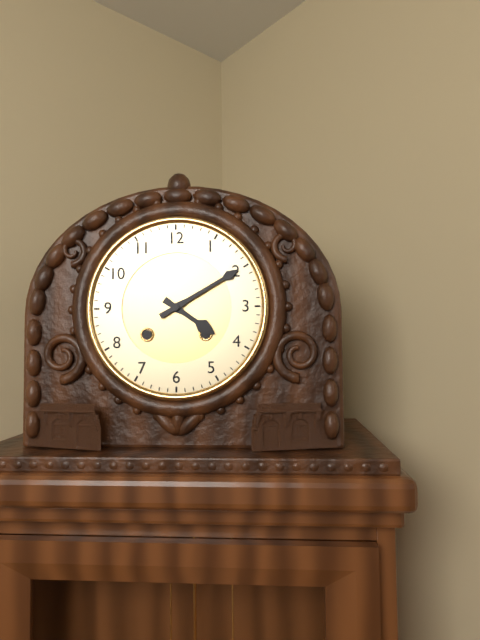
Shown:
4 h 10 min
